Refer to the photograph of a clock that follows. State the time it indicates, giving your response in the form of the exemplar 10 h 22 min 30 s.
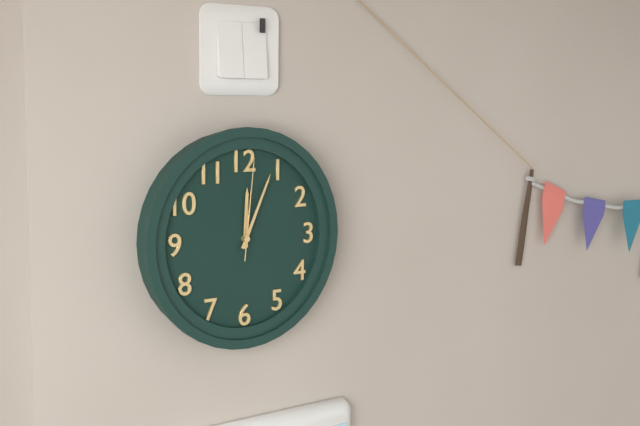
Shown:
12 h 04 min 01 s
